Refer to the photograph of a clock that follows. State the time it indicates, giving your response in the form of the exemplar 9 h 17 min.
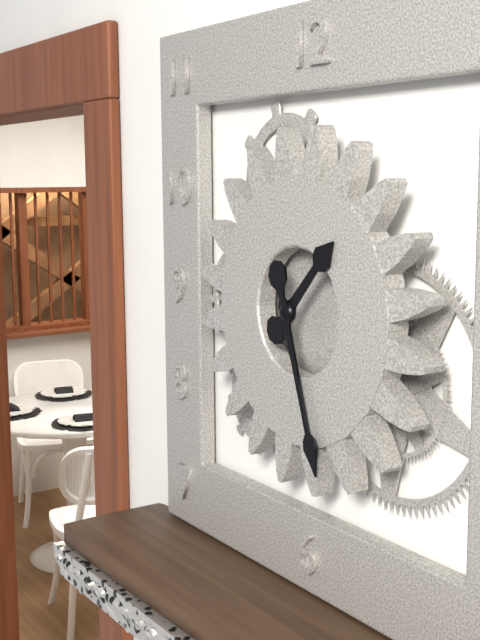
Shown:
1 h 27 min
